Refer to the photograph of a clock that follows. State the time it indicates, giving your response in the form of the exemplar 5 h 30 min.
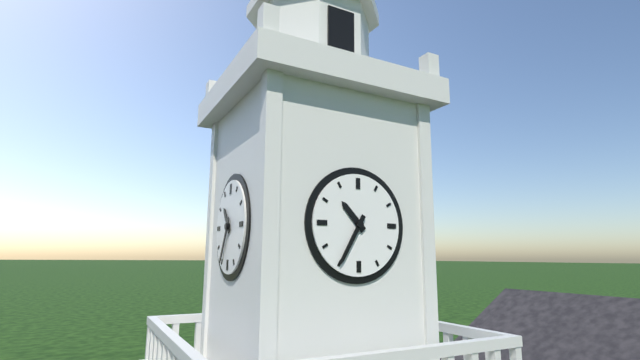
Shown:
10 h 35 min
